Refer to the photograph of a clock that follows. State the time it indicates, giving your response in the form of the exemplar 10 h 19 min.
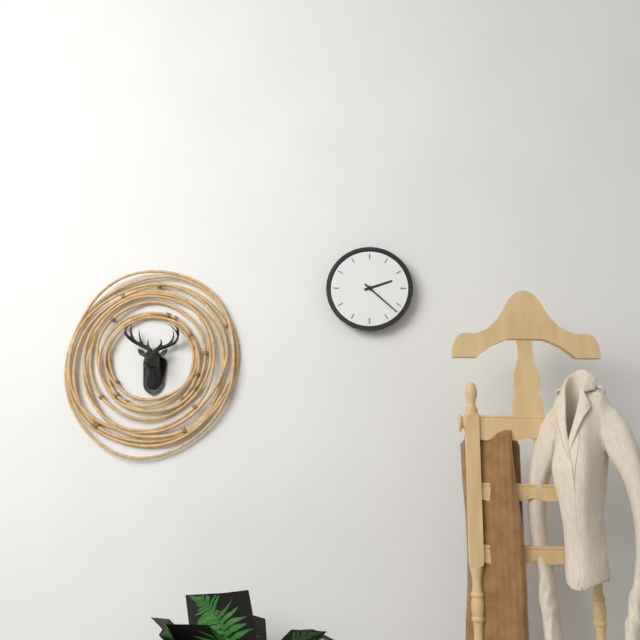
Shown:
2 h 22 min
